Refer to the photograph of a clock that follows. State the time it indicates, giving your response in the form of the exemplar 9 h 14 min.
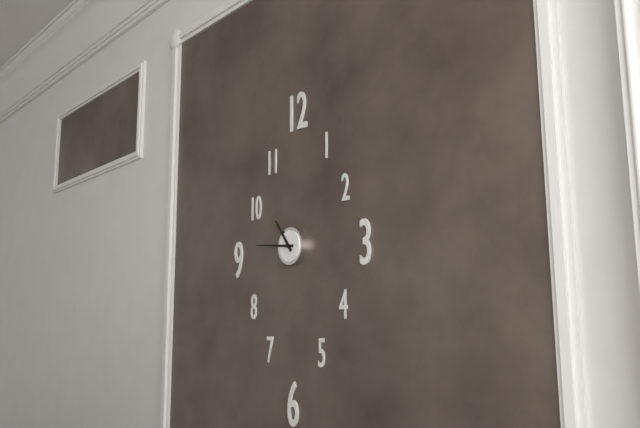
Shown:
10 h 46 min
